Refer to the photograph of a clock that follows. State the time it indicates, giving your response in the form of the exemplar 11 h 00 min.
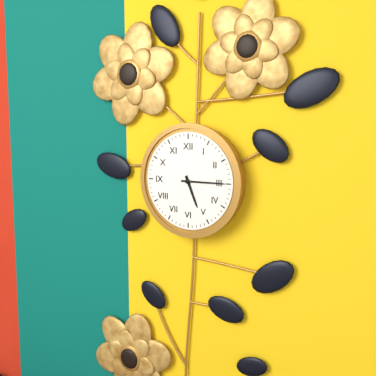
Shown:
5 h 15 min
